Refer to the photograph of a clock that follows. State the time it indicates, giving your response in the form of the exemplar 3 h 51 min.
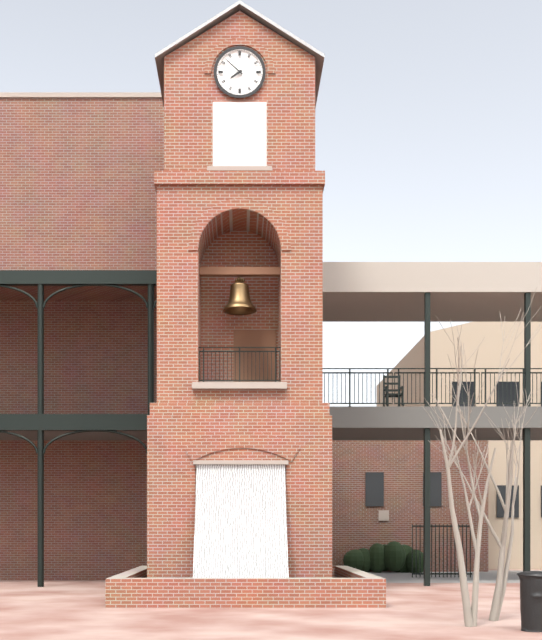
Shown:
7 h 52 min
